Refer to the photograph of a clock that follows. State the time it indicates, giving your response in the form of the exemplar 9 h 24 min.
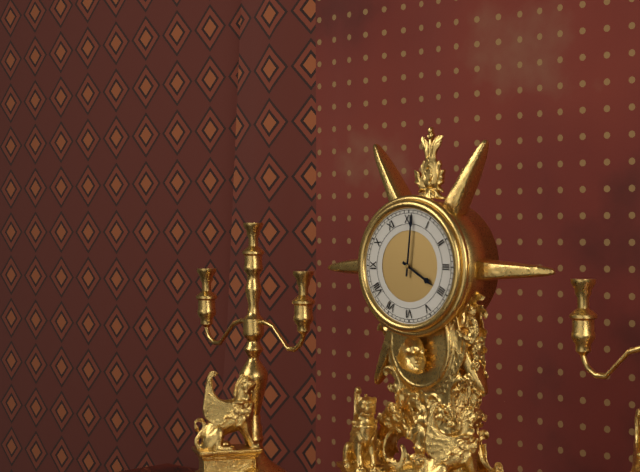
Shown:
4 h 01 min
